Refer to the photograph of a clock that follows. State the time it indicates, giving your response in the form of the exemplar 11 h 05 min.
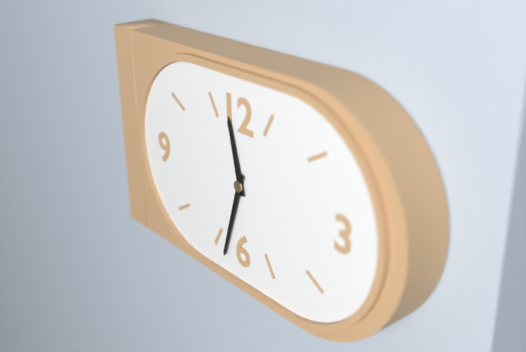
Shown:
11 h 33 min
